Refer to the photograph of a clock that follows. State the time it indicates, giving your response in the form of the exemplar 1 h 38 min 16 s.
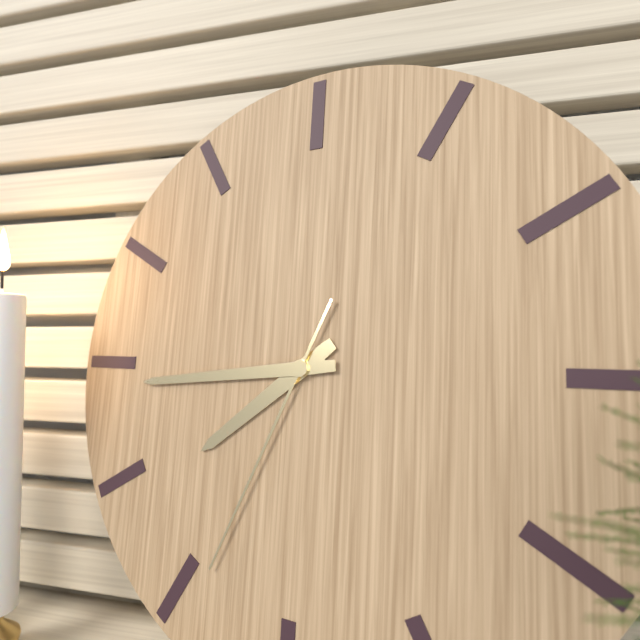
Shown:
7 h 44 min 34 s
